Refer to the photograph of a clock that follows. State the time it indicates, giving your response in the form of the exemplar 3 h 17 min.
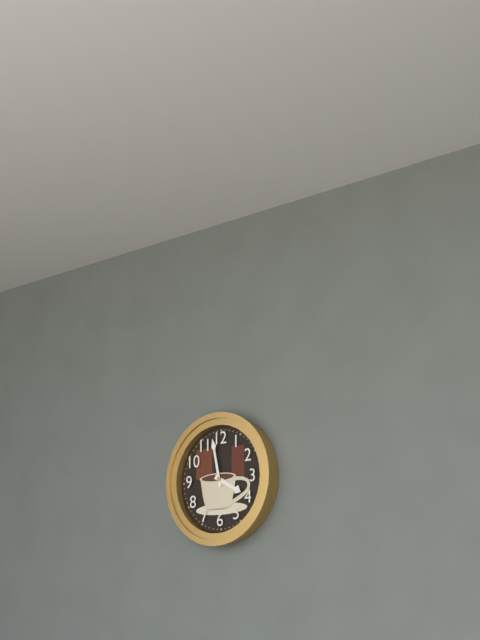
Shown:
3 h 58 min
